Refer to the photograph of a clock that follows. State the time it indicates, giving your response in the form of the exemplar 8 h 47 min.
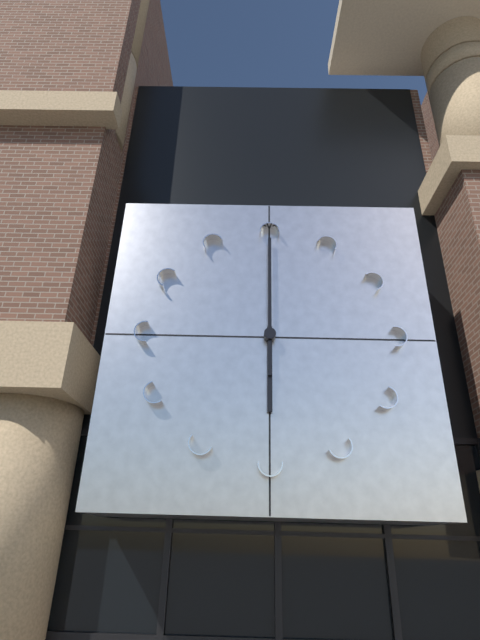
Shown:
6 h 00 min
